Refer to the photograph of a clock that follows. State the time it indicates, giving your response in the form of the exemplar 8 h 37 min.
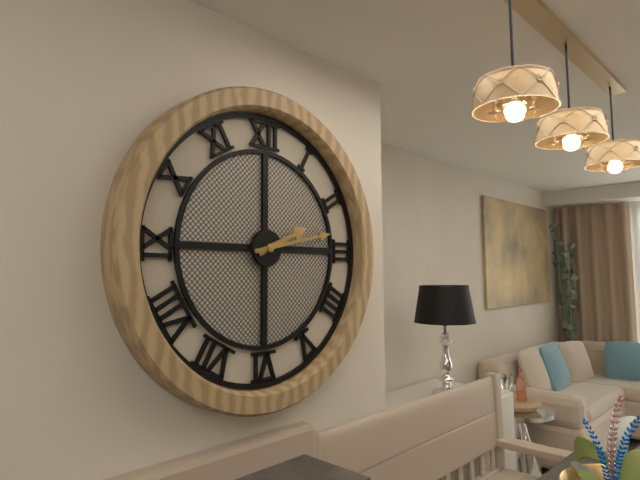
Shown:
2 h 13 min
